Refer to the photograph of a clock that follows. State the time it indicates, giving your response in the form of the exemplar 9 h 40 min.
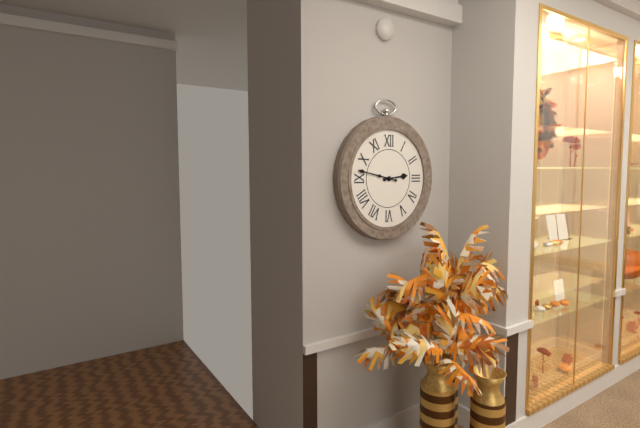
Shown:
2 h 47 min
